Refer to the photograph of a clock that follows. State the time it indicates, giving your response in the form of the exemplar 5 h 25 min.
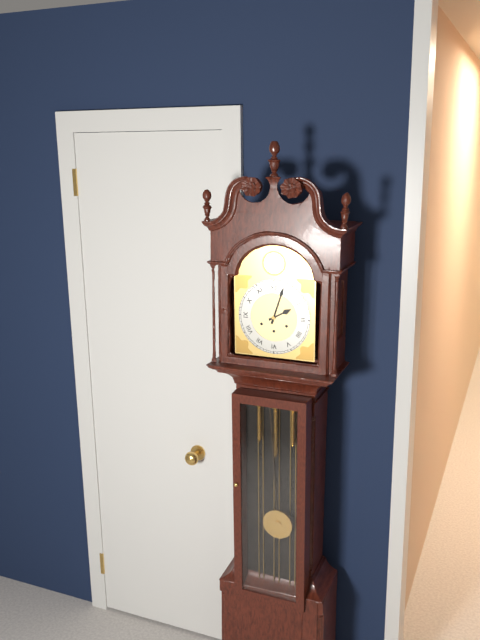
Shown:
2 h 03 min
